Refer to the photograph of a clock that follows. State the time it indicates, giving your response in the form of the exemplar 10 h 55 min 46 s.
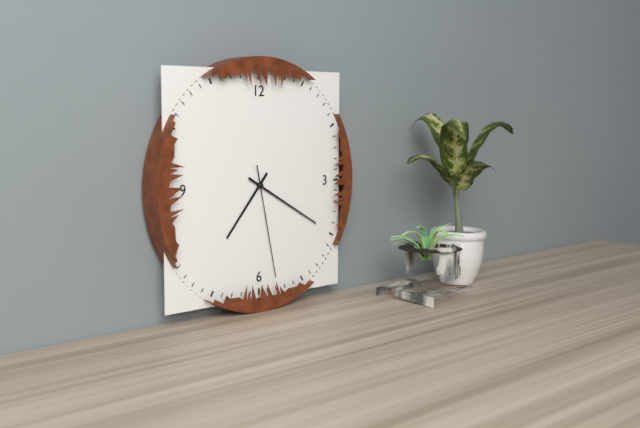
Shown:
7 h 20 min 28 s
